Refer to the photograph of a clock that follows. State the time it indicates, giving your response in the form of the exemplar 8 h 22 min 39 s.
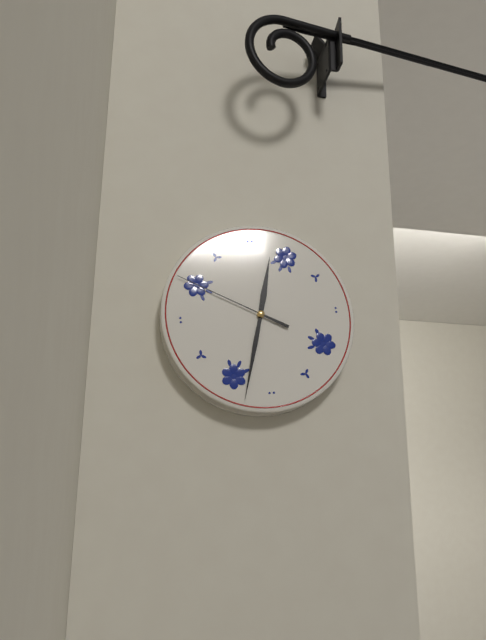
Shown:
12 h 33 min 50 s
